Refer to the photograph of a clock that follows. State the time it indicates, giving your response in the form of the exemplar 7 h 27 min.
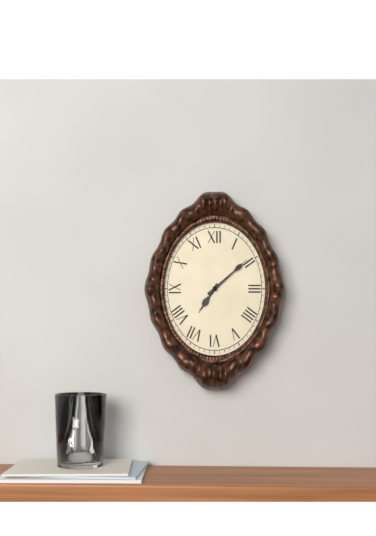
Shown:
7 h 08 min
